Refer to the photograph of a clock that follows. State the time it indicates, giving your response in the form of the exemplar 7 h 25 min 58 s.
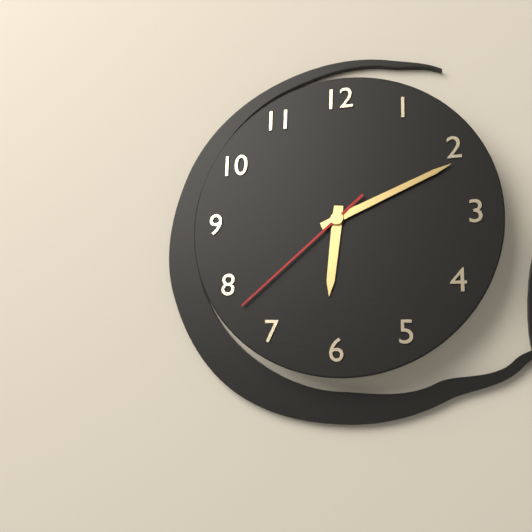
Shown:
6 h 11 min 38 s
